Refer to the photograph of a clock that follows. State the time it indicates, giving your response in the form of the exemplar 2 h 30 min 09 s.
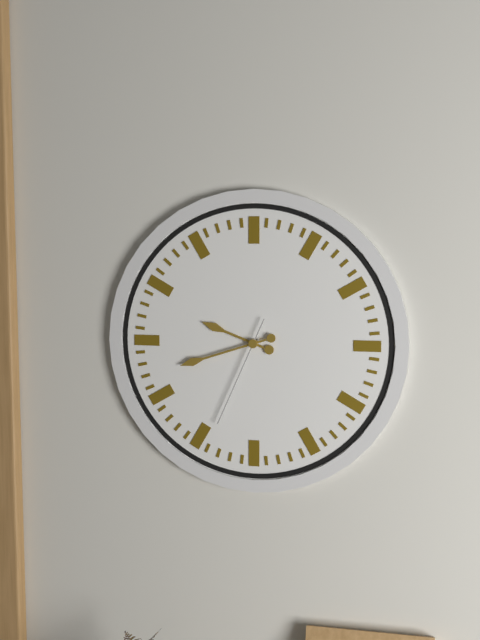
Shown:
9 h 42 min 34 s
